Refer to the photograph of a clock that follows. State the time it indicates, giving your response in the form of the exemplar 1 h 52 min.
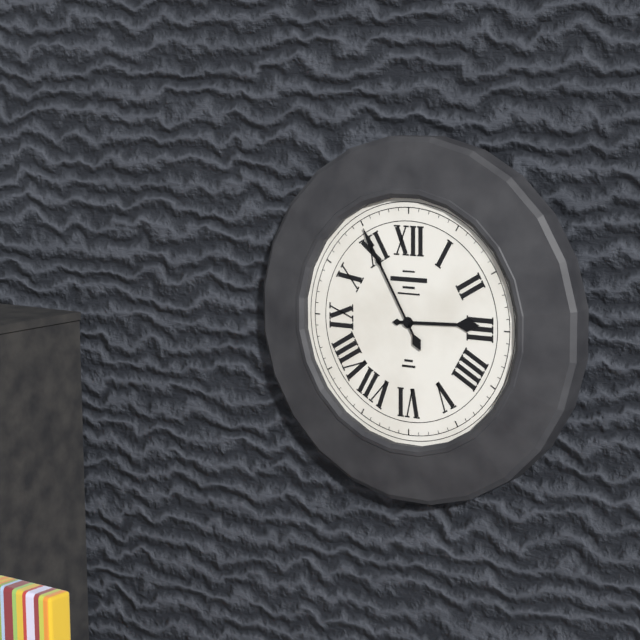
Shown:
2 h 55 min
